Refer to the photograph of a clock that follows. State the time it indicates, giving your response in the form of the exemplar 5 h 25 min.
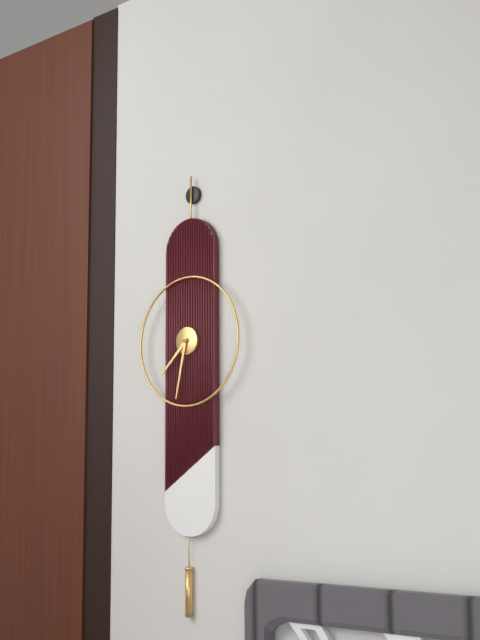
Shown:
7 h 32 min
